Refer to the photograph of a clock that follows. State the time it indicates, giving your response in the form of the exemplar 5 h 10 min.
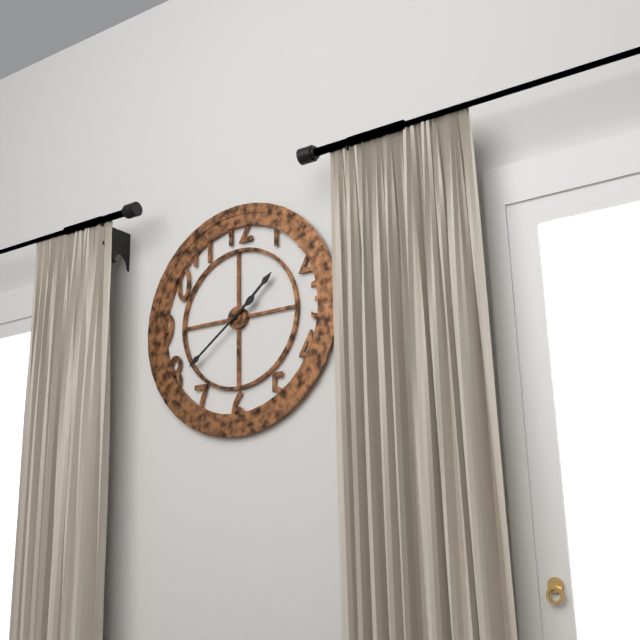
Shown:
1 h 39 min
